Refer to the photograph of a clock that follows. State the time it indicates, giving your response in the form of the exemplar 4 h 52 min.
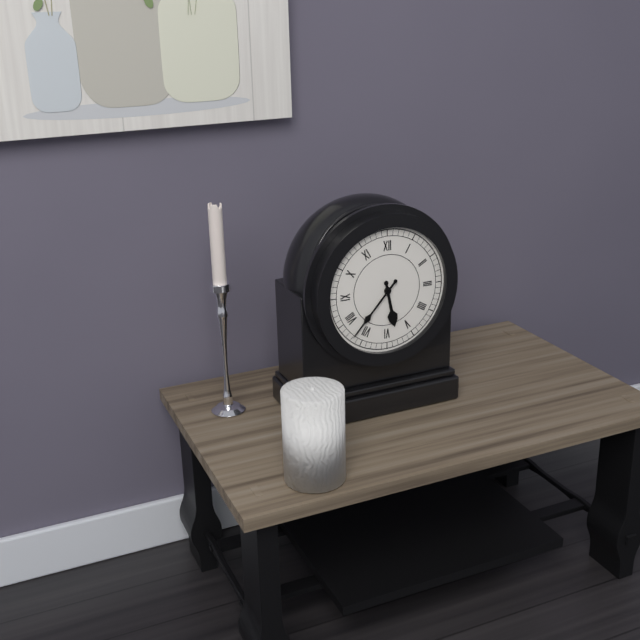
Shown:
5 h 37 min
